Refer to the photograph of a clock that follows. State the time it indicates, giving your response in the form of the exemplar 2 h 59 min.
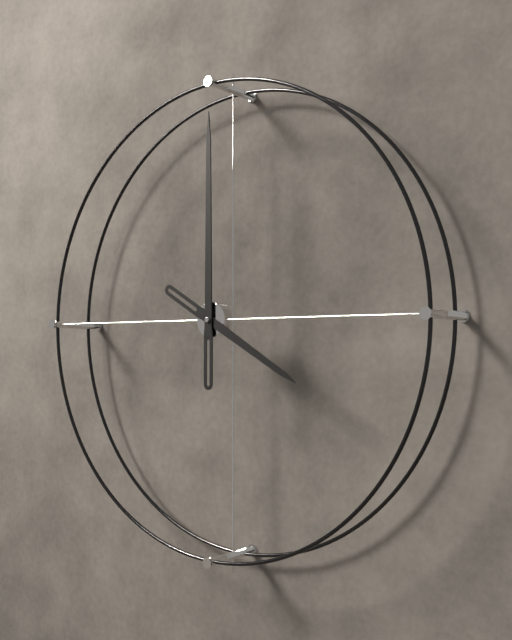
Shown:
4 h 00 min
